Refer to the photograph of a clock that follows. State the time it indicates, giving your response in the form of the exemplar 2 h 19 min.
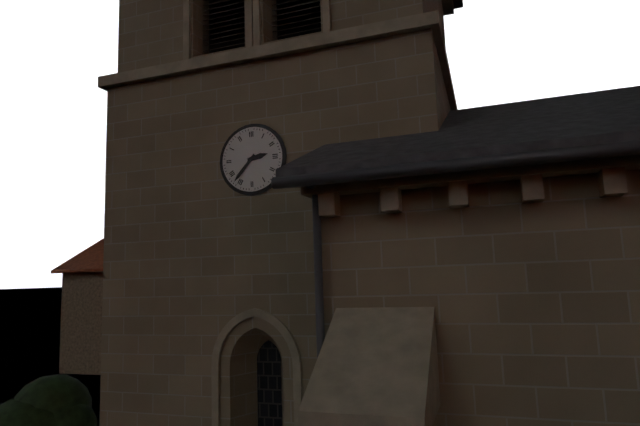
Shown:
2 h 37 min
